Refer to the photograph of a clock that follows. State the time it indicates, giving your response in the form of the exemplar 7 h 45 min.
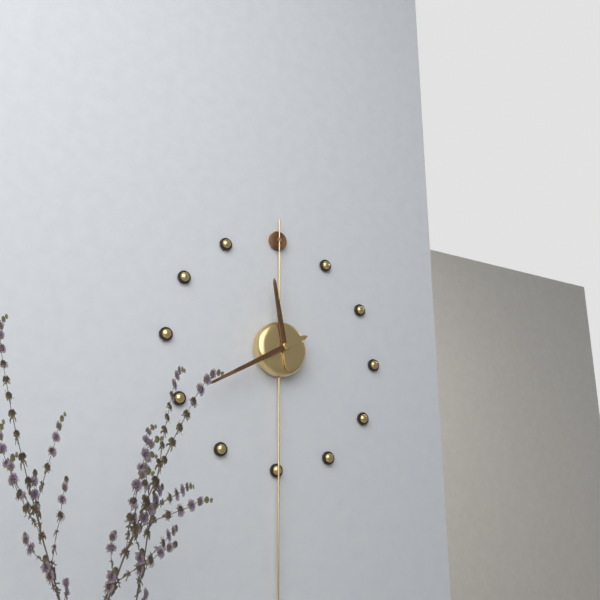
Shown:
11 h 40 min
